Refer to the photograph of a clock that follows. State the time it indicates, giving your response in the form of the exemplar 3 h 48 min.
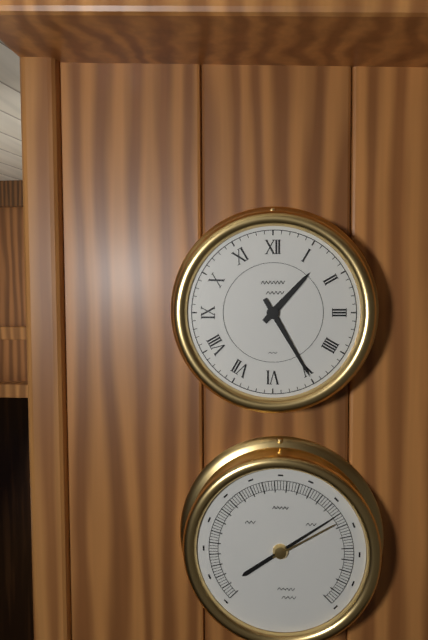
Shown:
1 h 25 min
